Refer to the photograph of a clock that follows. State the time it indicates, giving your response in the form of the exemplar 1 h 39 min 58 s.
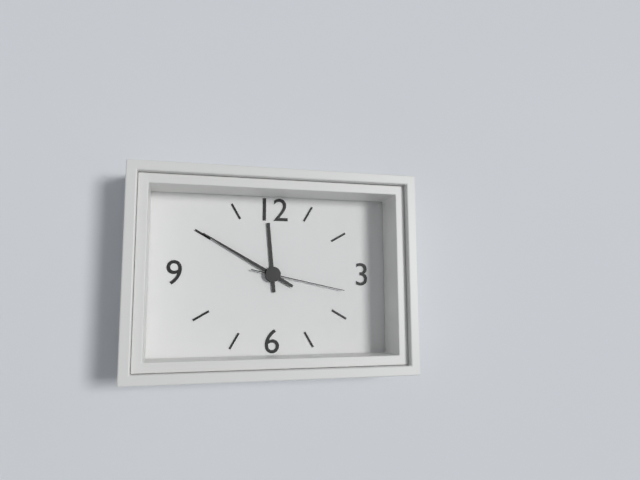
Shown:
11 h 50 min 17 s
